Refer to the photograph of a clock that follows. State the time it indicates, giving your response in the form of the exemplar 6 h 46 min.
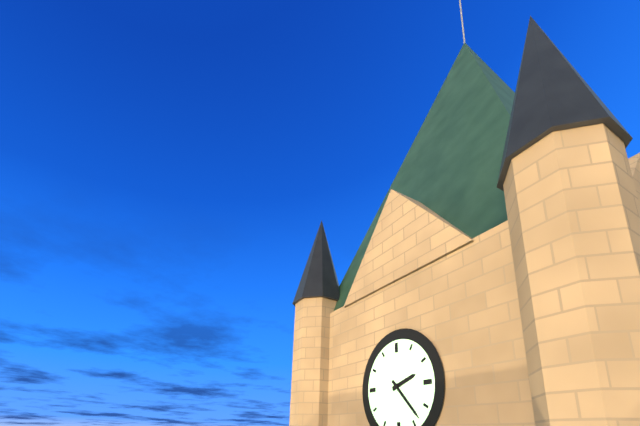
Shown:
2 h 23 min
